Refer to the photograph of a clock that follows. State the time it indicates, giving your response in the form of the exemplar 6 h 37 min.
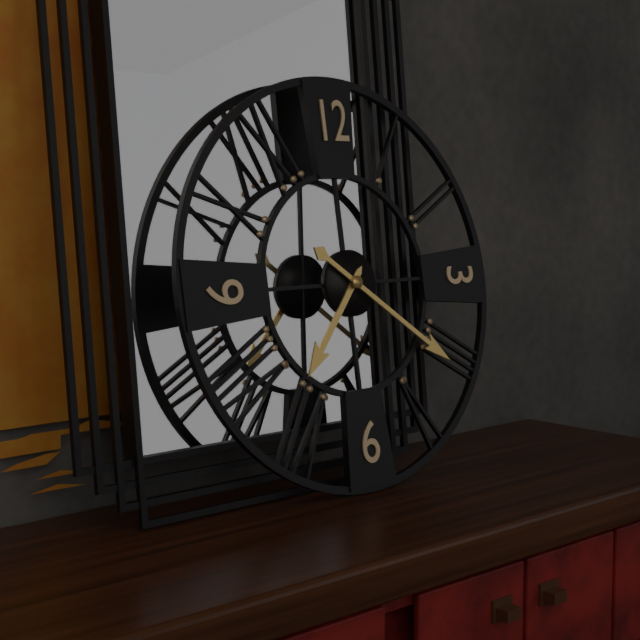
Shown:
7 h 21 min
